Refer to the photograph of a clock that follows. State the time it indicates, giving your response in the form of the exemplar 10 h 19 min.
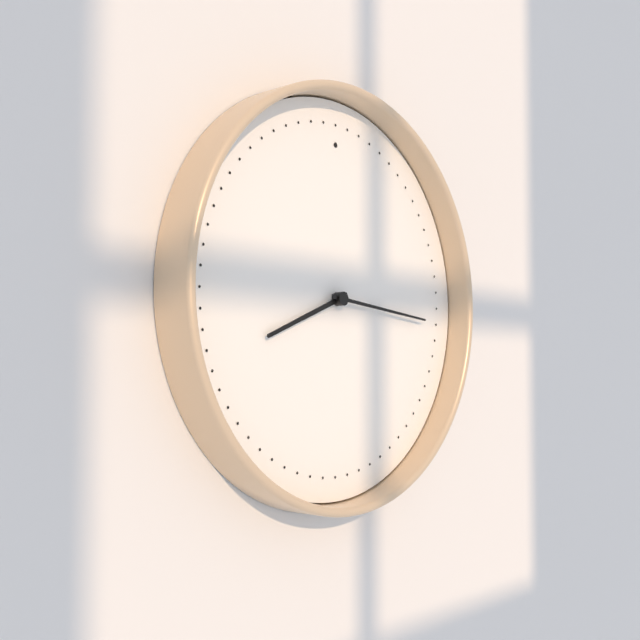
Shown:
8 h 16 min
